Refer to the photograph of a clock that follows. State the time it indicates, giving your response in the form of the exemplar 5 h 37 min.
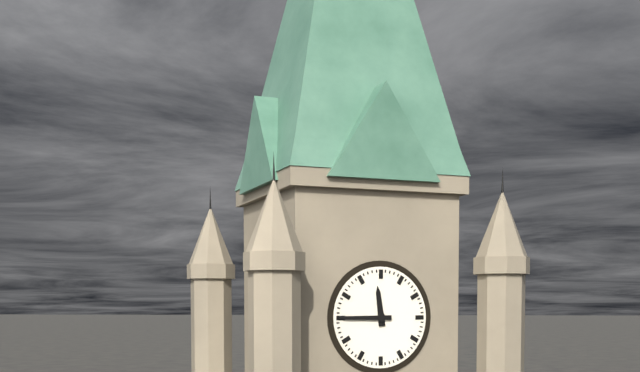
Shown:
11 h 45 min
